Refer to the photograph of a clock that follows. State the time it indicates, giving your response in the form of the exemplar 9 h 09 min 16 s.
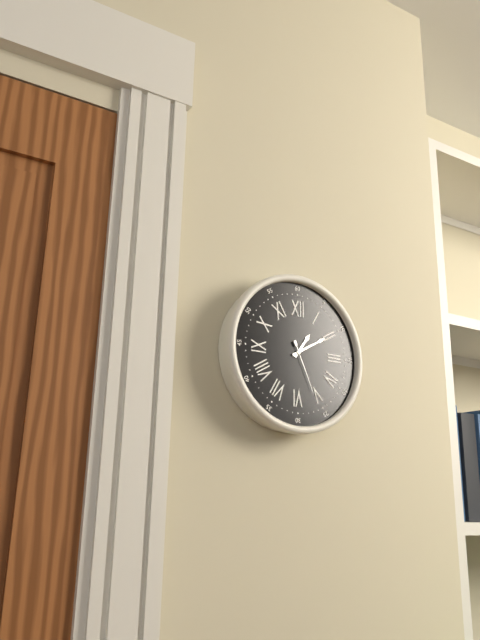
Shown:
1 h 10 min 26 s
